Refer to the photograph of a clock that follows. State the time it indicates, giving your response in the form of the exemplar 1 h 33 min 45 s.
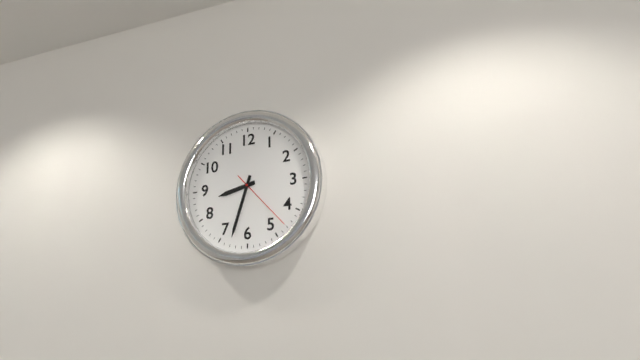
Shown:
8 h 33 min 23 s
